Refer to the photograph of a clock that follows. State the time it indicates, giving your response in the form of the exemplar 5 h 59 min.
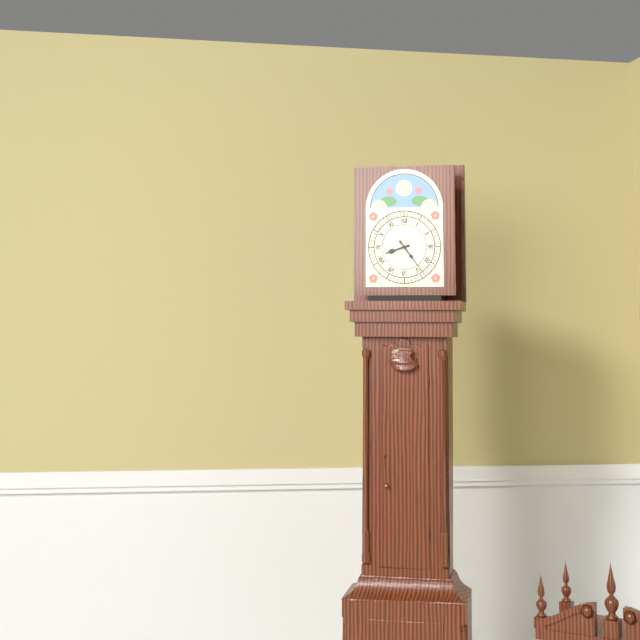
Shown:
8 h 24 min
